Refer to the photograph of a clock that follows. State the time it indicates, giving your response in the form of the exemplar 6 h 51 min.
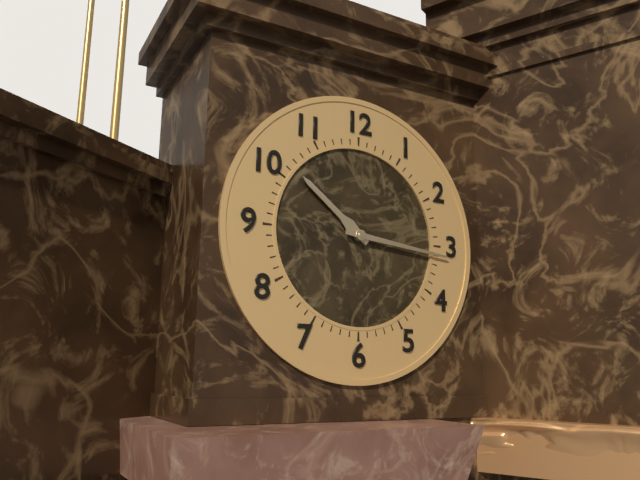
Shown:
10 h 16 min
